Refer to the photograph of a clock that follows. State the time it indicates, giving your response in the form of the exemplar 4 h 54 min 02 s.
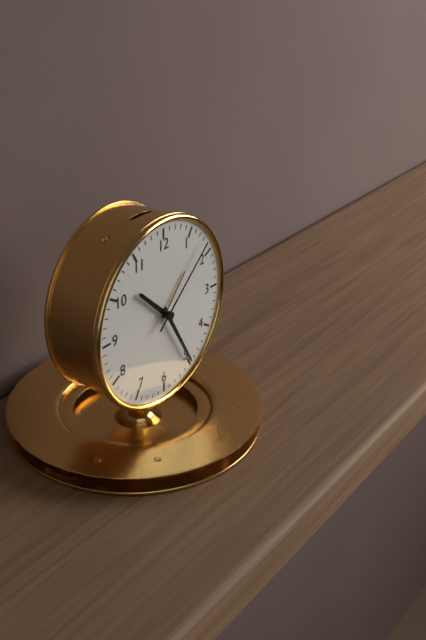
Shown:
10 h 25 min 08 s
